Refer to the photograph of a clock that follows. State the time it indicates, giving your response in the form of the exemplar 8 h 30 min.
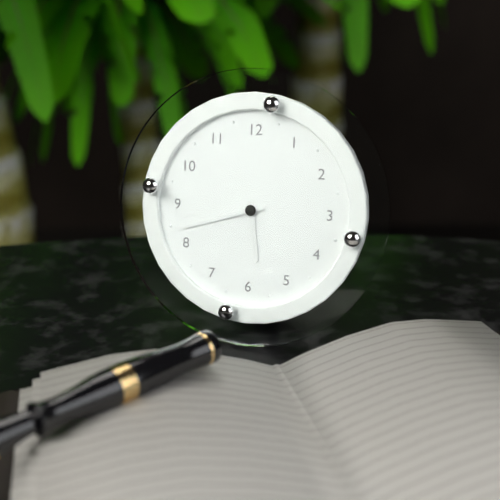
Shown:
5 h 42 min
